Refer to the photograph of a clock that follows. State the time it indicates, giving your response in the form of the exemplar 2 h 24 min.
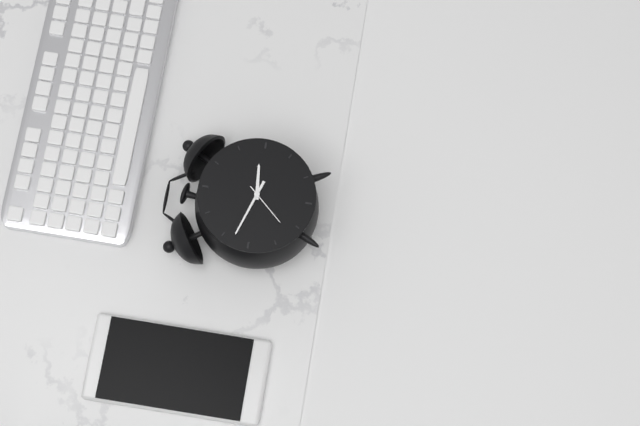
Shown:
2 h 48 min
